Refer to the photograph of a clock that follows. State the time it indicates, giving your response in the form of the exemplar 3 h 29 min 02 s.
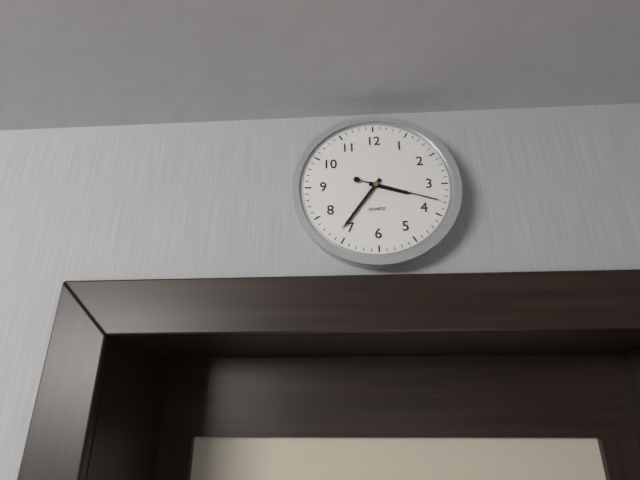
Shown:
3 h 36 min 18 s
